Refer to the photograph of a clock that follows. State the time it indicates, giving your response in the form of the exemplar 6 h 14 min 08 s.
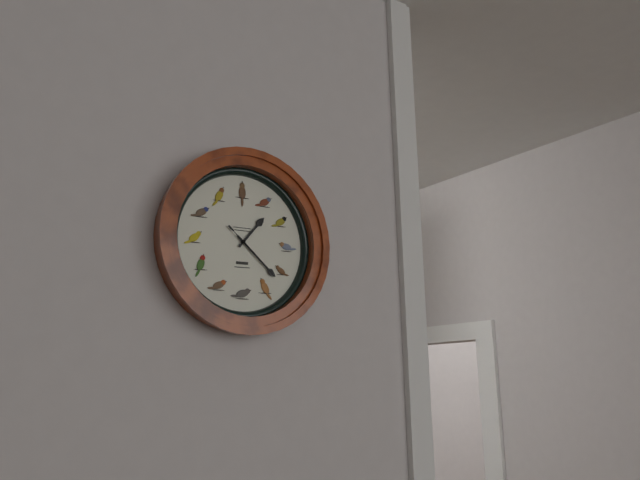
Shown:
1 h 22 min 22 s
